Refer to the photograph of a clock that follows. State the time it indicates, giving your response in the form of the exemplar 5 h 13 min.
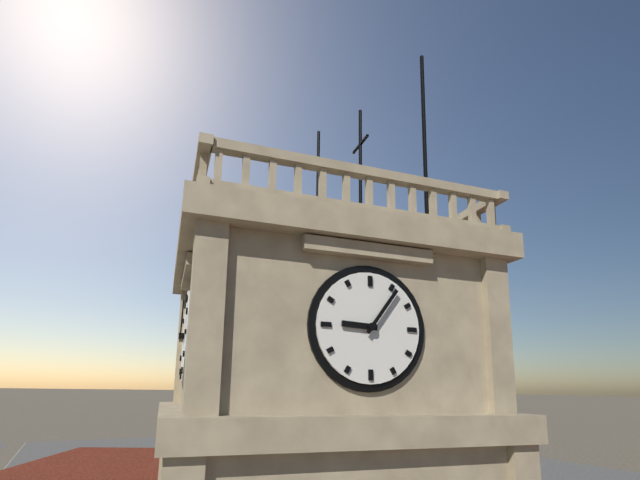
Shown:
9 h 06 min
